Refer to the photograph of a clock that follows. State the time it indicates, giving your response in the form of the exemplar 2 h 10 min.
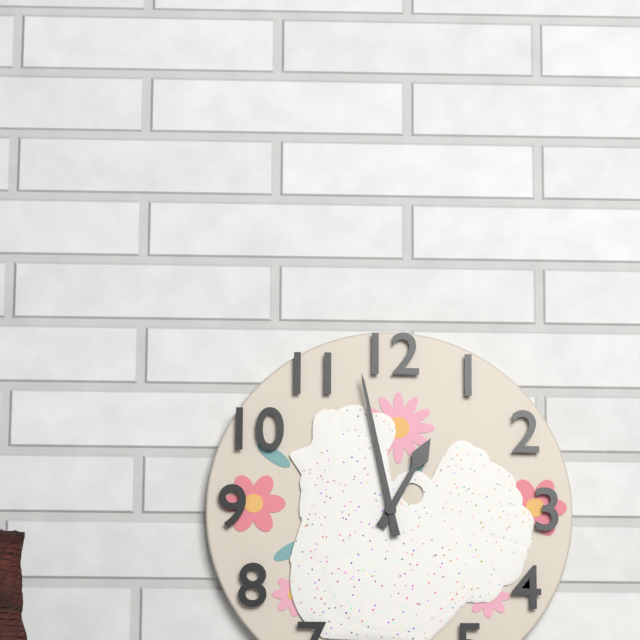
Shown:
12 h 58 min
